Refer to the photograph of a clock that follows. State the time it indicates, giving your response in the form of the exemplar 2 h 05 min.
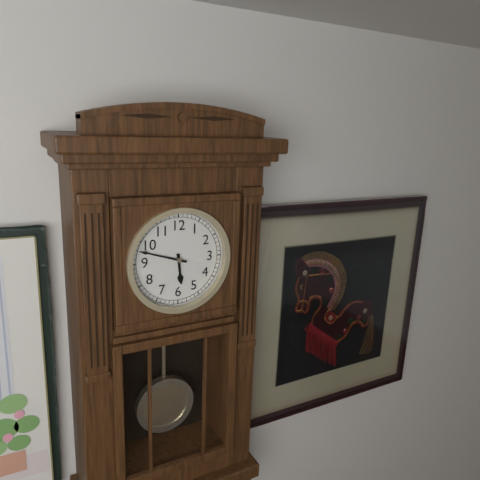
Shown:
5 h 48 min
